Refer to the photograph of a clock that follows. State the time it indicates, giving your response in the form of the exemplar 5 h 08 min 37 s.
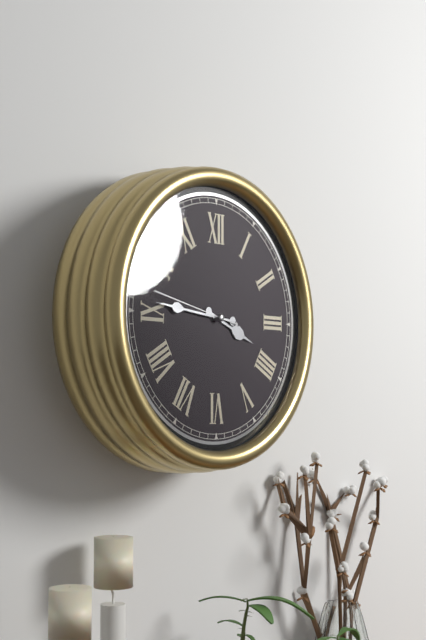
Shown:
3 h 46 min 47 s
